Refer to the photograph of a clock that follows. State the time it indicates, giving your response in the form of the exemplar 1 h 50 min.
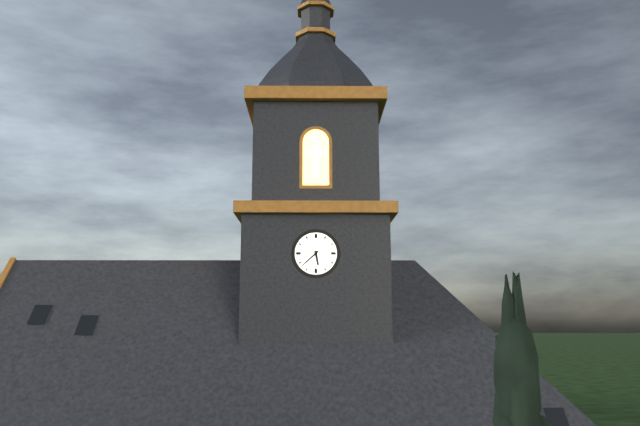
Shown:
5 h 38 min
